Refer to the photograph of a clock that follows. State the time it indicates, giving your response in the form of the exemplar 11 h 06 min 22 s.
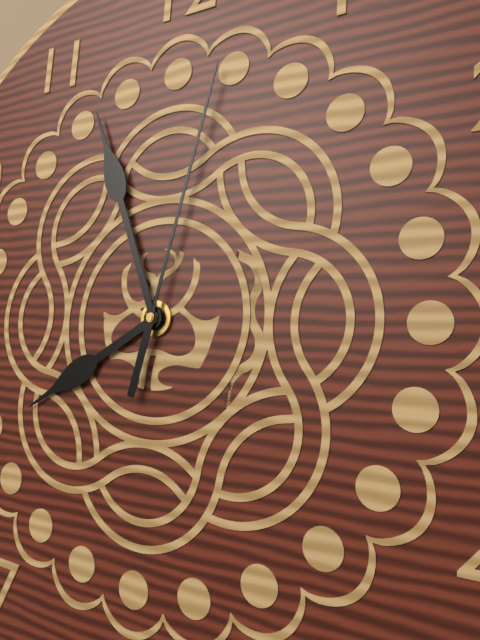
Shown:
7 h 56 min 02 s
